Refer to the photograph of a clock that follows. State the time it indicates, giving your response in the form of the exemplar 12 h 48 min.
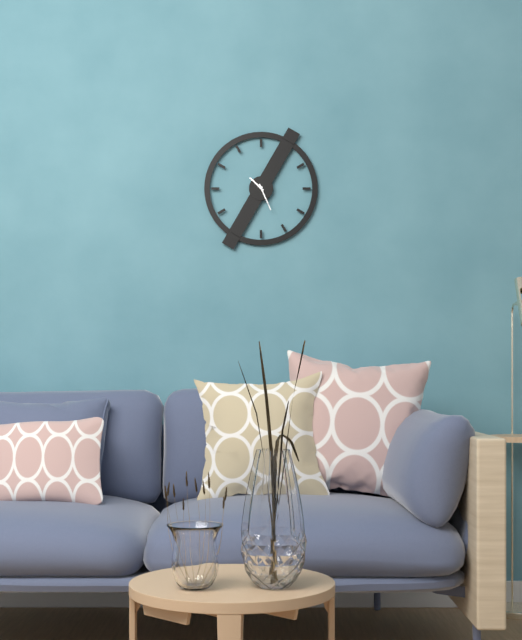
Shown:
10 h 26 min
